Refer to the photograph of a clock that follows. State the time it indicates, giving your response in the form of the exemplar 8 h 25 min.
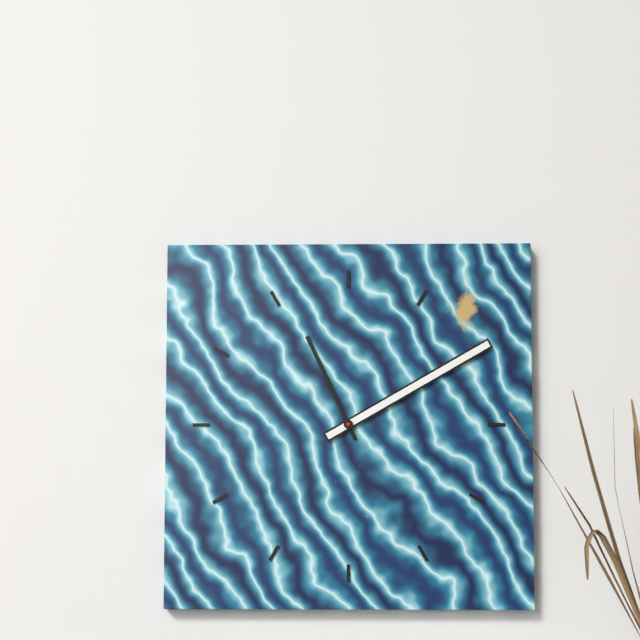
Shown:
11 h 10 min
